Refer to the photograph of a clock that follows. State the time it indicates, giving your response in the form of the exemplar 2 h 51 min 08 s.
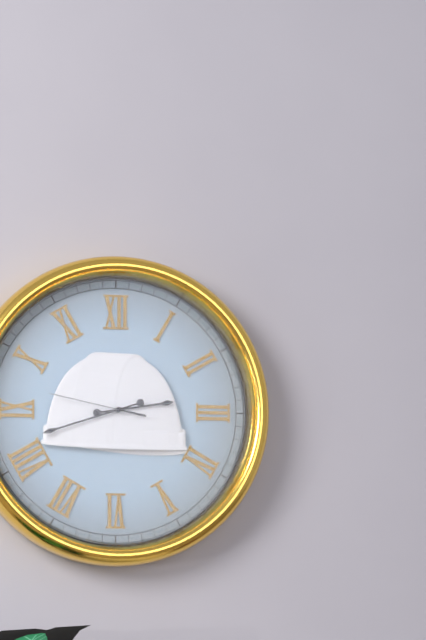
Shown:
2 h 42 min 47 s
